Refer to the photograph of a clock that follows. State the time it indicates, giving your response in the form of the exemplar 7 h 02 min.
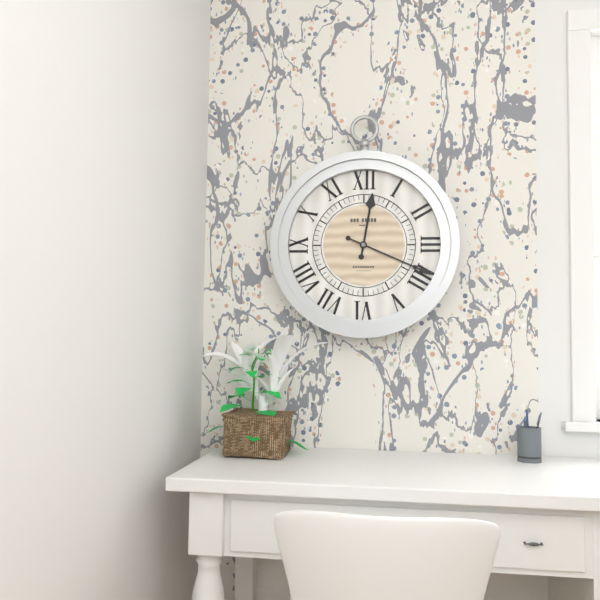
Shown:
12 h 19 min
